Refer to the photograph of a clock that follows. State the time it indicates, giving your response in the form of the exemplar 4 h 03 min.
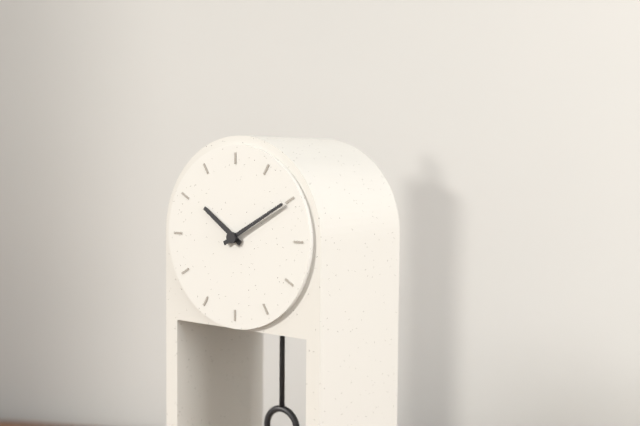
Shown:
10 h 10 min
